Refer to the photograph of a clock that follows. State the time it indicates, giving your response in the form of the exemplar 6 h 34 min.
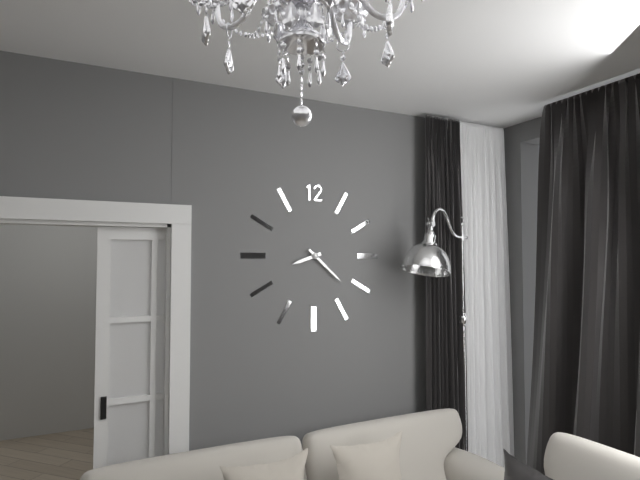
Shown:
8 h 22 min
